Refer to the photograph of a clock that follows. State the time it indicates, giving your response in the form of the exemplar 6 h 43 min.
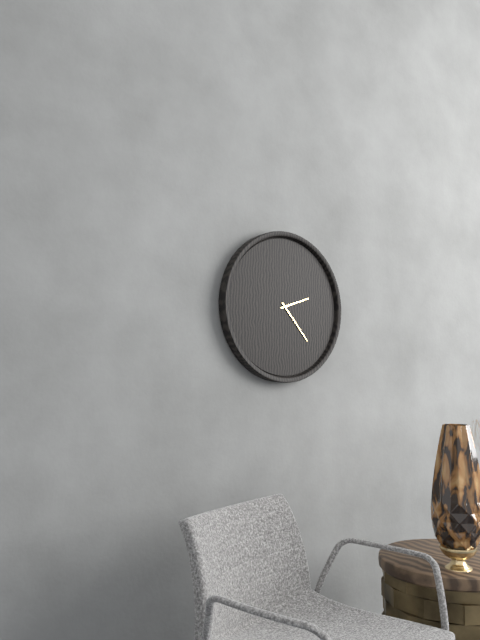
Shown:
2 h 23 min
